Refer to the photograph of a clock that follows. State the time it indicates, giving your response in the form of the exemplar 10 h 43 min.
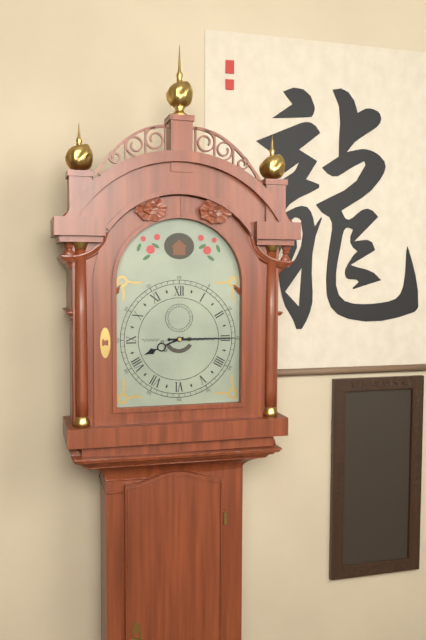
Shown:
8 h 15 min
